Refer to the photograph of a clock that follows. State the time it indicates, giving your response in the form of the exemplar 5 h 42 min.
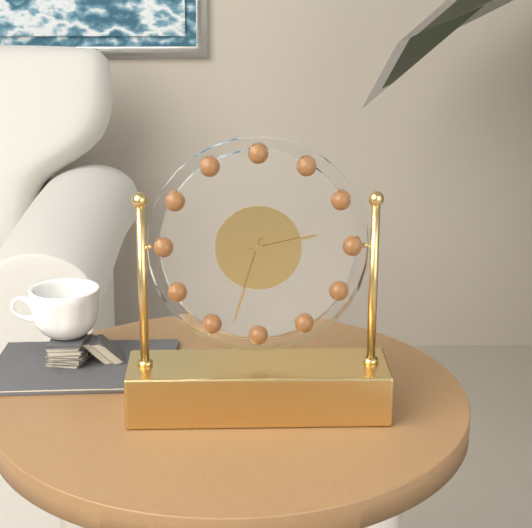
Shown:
2 h 33 min
